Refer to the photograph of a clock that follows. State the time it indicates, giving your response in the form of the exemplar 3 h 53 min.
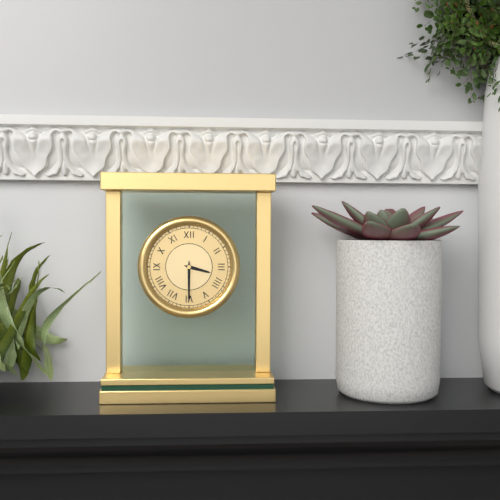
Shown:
3 h 30 min
